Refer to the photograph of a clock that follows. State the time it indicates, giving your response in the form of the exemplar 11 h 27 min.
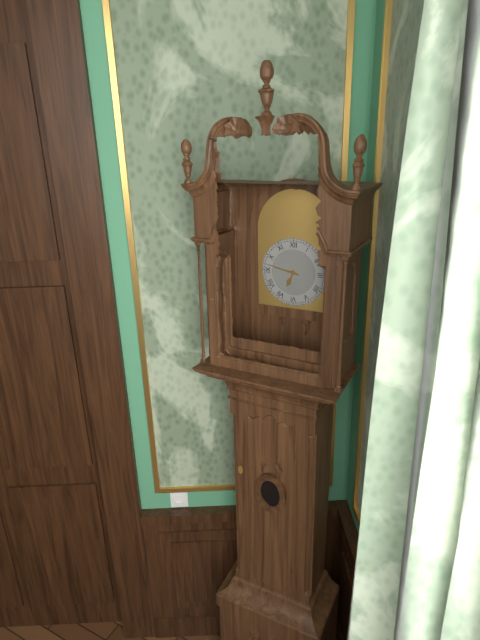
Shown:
6 h 47 min
